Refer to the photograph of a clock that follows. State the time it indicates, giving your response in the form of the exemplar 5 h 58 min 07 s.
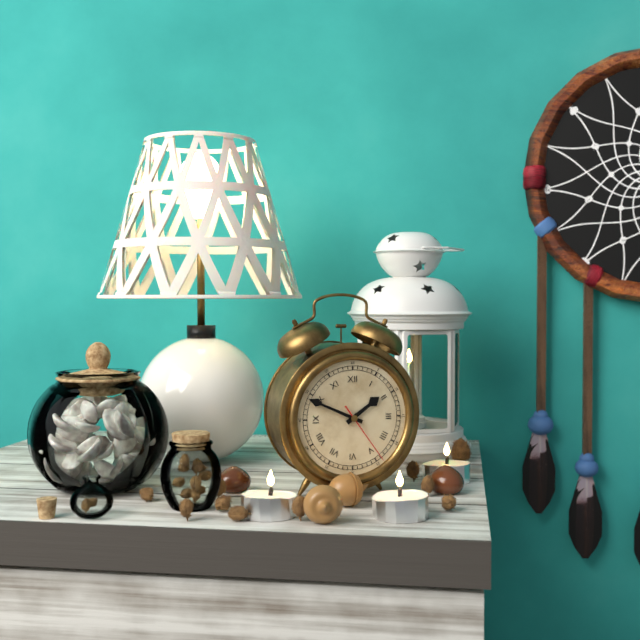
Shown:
1 h 49 min 24 s
